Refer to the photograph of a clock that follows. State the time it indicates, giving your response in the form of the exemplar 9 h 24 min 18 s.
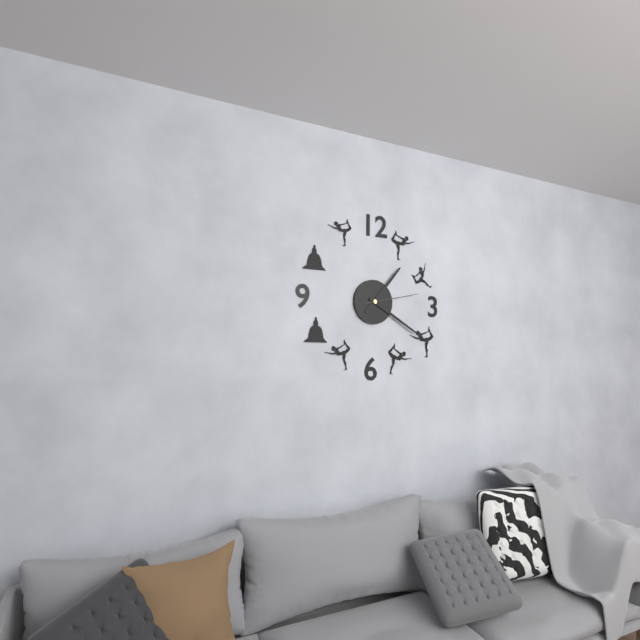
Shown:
1 h 20 min 13 s
